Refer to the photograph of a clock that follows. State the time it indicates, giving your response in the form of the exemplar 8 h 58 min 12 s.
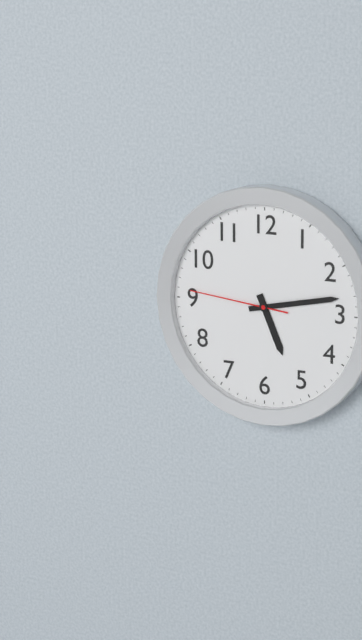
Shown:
5 h 13 min 46 s
